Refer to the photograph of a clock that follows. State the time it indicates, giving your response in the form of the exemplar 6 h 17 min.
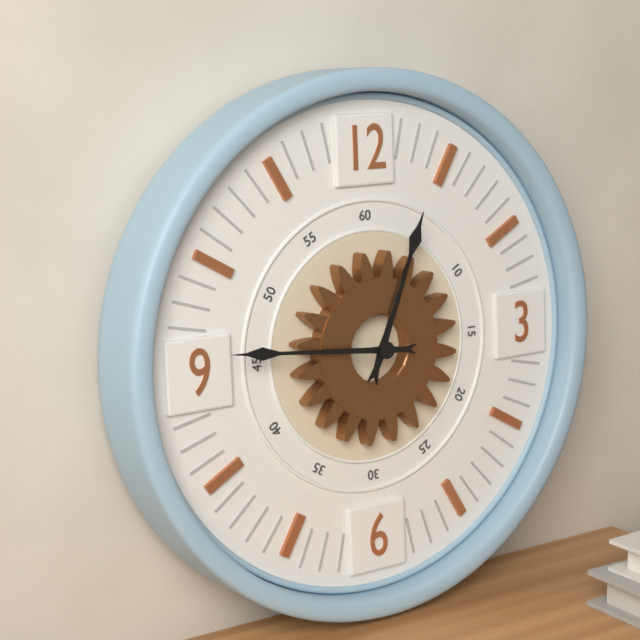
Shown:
12 h 46 min
